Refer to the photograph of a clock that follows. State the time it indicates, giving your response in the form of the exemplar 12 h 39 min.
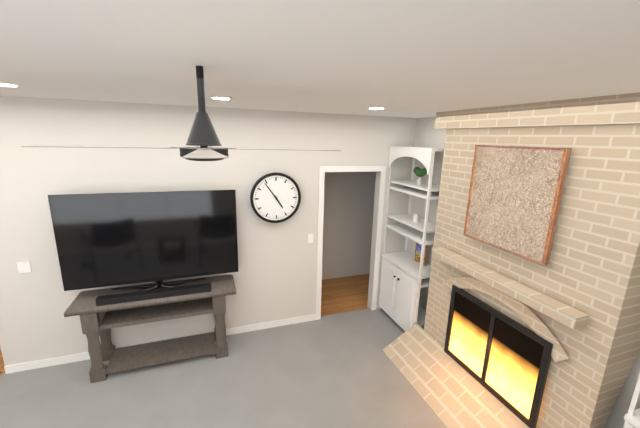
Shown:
4 h 54 min
